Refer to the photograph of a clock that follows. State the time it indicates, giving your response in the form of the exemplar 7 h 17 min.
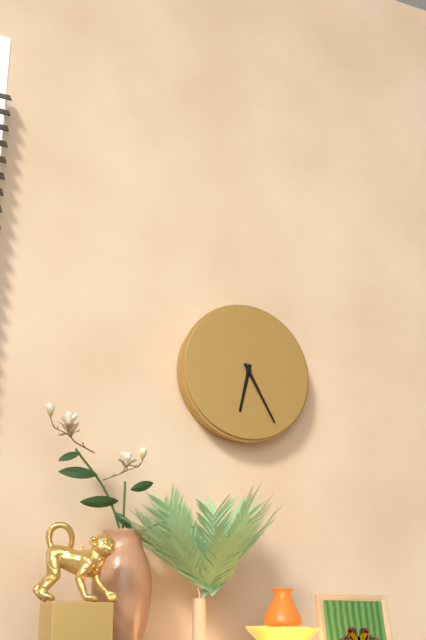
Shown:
6 h 25 min
